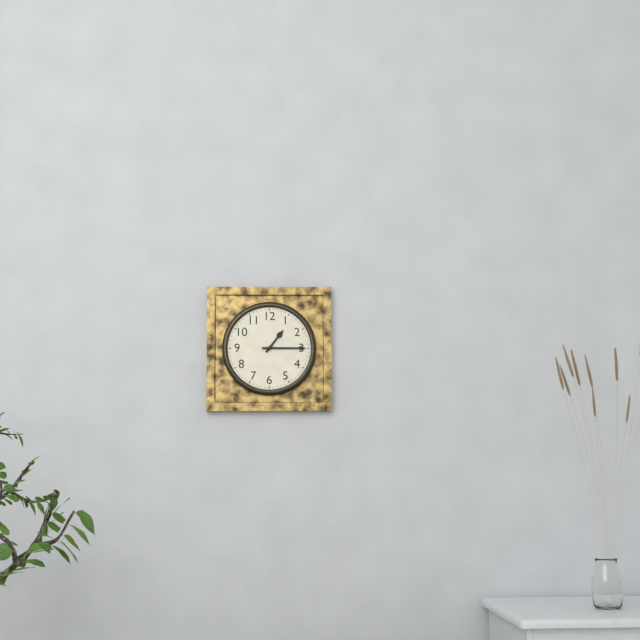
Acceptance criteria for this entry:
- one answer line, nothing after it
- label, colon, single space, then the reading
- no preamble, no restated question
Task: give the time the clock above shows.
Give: 1:15
